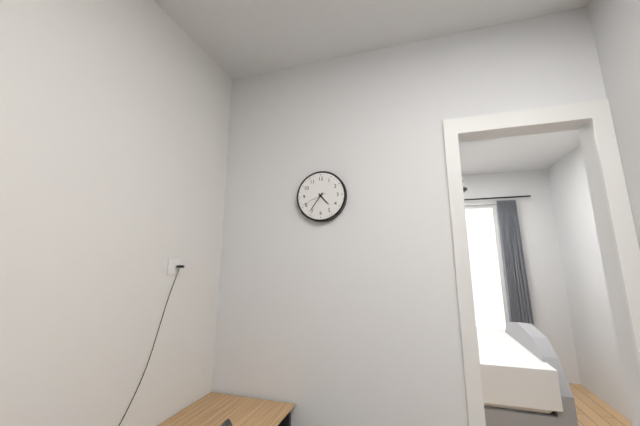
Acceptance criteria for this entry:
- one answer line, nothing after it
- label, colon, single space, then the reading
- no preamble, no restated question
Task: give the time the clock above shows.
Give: 4:36
